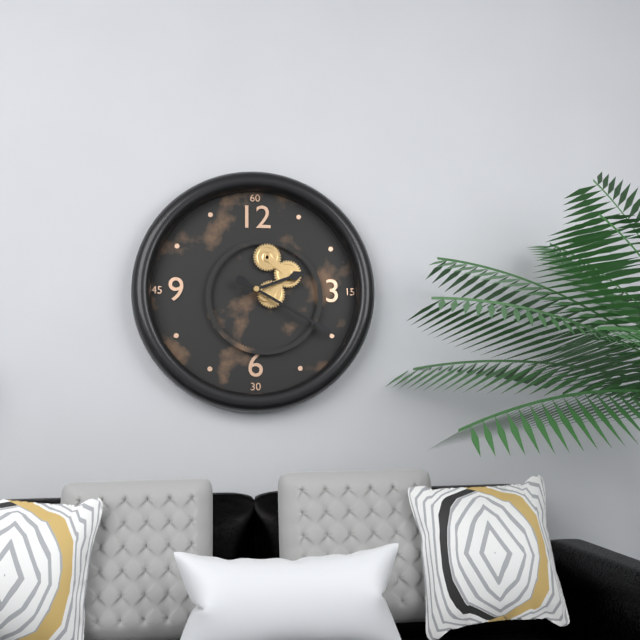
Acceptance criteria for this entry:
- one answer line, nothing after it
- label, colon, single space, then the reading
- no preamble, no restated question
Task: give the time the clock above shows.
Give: 2:20
